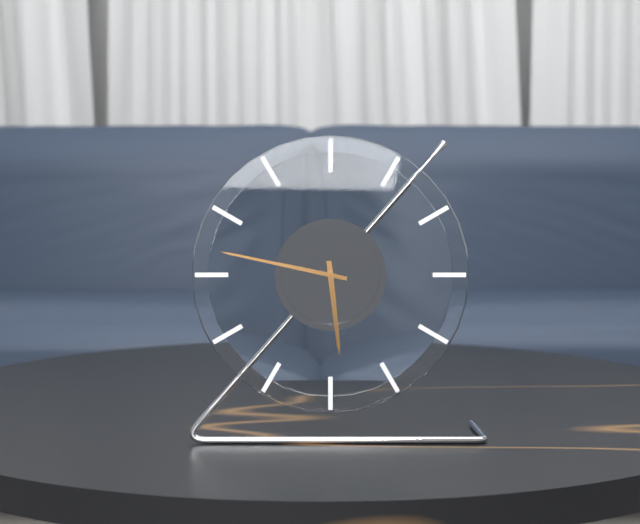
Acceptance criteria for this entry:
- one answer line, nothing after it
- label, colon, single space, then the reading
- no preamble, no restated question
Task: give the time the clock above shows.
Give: 5:47
